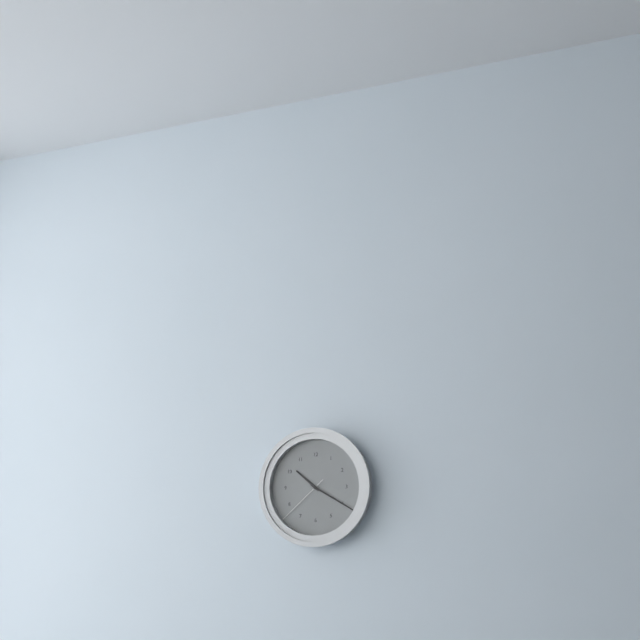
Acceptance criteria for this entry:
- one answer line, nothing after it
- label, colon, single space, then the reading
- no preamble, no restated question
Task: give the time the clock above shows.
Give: 10:20:38
